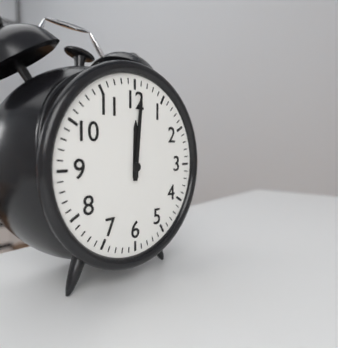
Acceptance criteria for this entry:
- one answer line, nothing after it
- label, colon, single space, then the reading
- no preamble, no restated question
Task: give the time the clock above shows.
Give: 12:01
